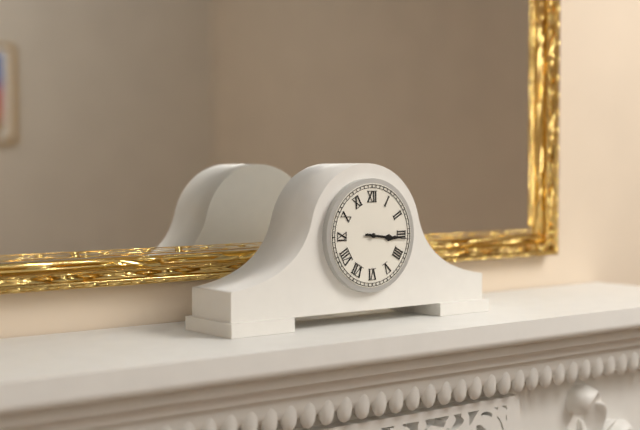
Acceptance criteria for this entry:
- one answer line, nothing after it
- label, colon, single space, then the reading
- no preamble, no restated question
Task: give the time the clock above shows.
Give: 3:16
